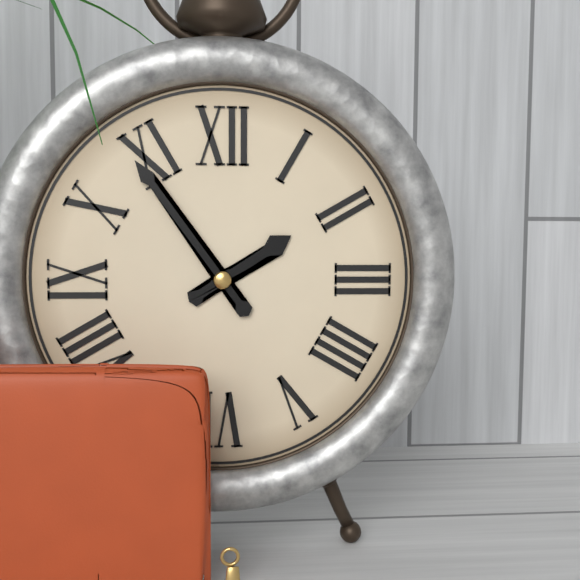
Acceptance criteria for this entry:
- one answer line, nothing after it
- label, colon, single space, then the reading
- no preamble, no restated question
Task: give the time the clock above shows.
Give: 1:54
